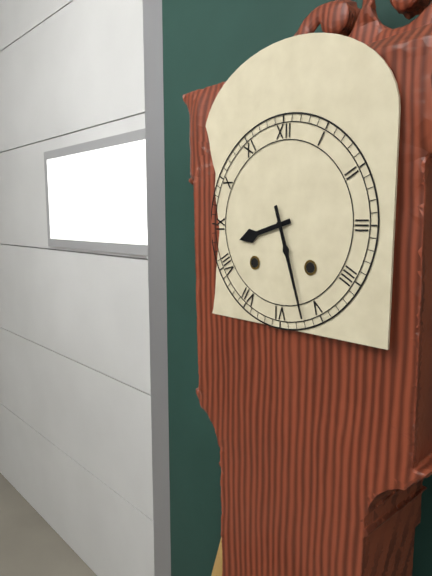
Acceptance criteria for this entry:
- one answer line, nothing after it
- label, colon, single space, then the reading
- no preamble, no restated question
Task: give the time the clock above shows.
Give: 8:27
